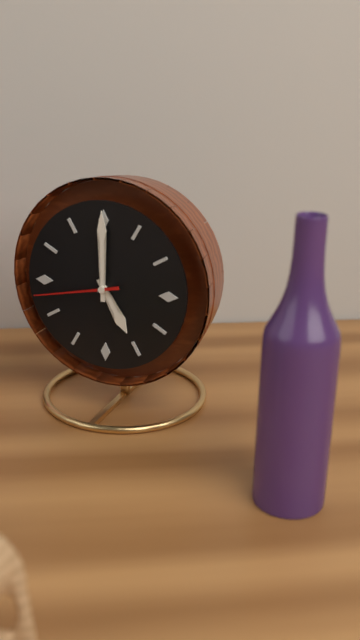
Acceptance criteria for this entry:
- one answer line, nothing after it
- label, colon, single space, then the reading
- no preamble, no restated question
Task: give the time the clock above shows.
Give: 5:00:43
